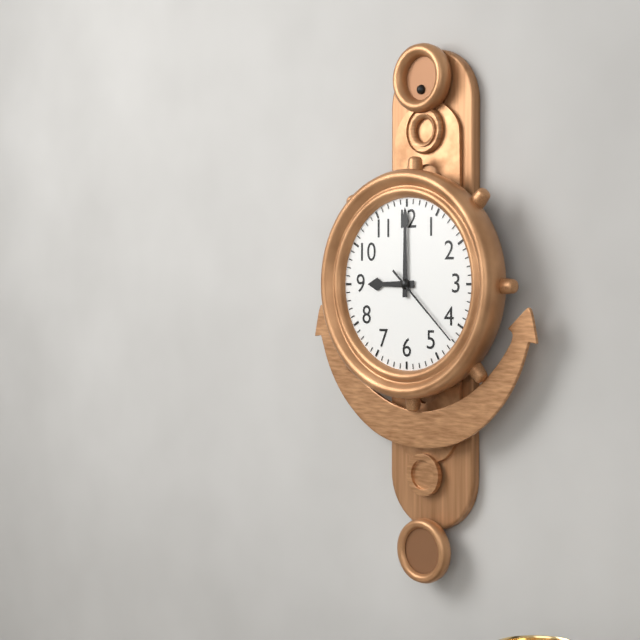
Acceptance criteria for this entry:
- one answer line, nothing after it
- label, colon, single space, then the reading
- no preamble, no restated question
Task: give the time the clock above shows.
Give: 9:00:22
